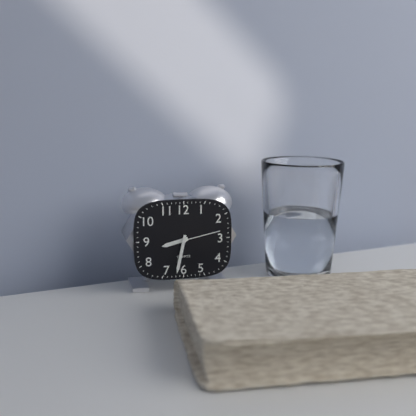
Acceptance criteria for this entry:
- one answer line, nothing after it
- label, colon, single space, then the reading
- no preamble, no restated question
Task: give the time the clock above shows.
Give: 8:32
